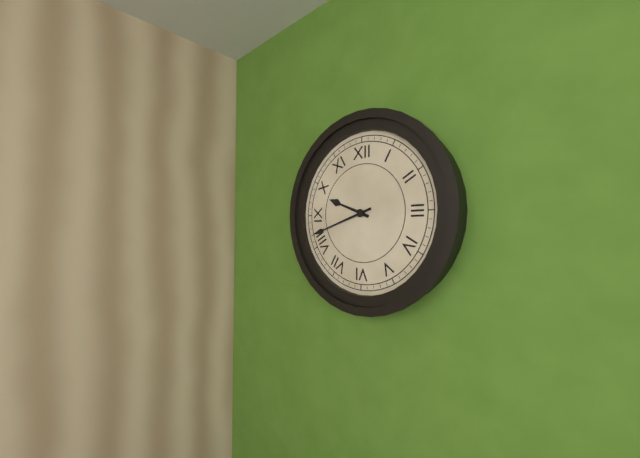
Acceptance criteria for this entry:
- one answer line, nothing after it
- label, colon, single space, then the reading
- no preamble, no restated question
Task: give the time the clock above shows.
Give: 9:42
